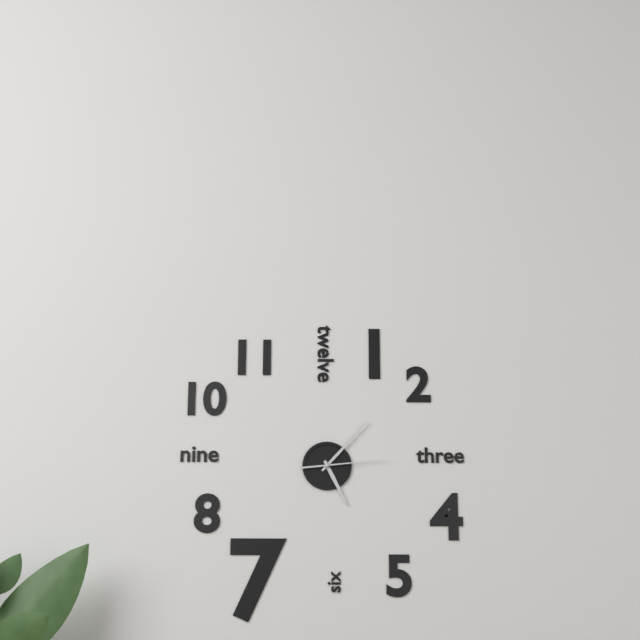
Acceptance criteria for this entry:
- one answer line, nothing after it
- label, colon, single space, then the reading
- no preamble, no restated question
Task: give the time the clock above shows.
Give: 5:07:14
